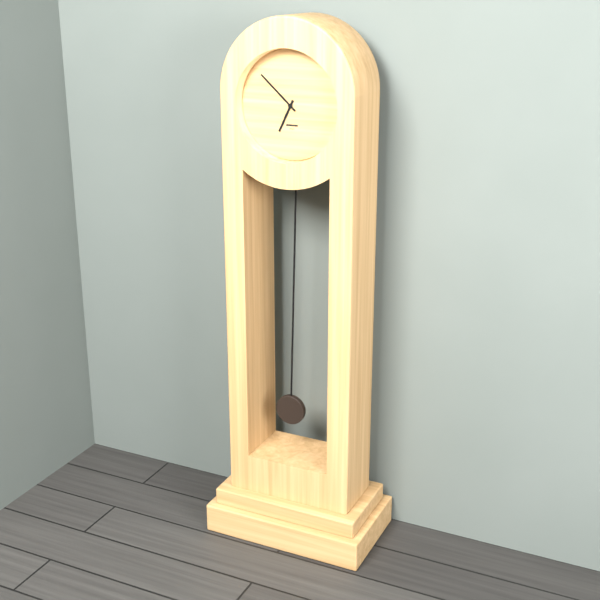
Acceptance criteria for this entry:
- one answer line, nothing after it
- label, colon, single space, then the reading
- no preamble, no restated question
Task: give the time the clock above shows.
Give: 6:52
